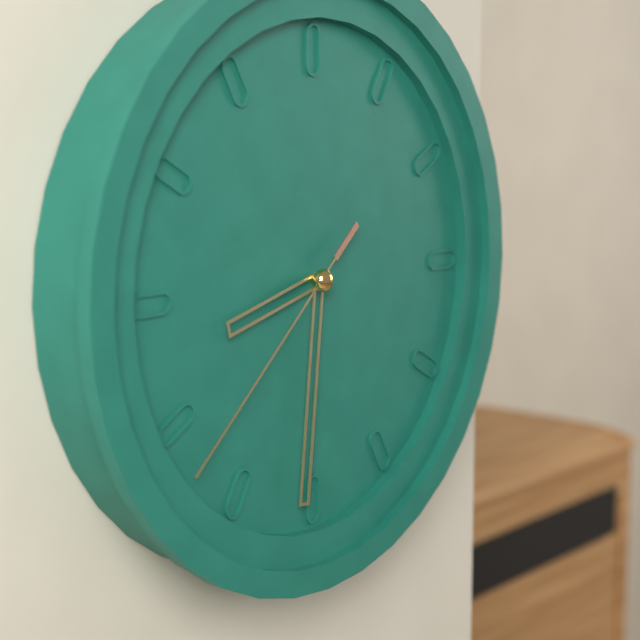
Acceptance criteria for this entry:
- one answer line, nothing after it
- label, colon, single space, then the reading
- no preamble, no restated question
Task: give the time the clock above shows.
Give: 8:31:38
